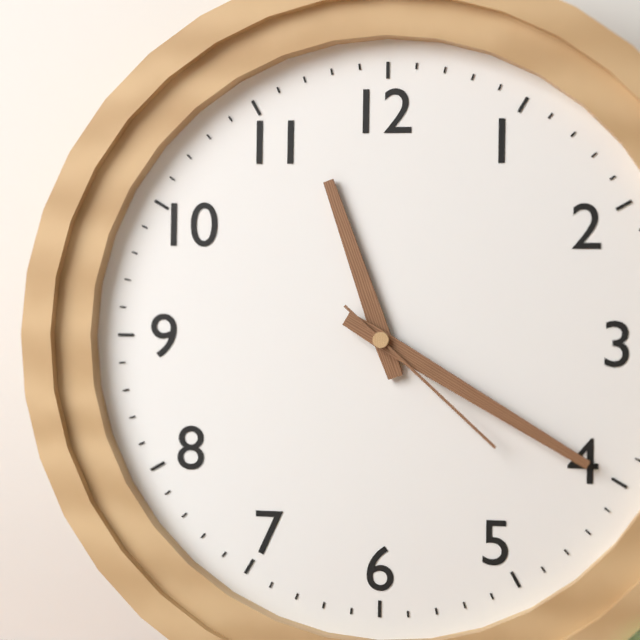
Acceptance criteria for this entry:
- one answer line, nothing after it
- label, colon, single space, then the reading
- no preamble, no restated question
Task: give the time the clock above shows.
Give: 11:20:22
